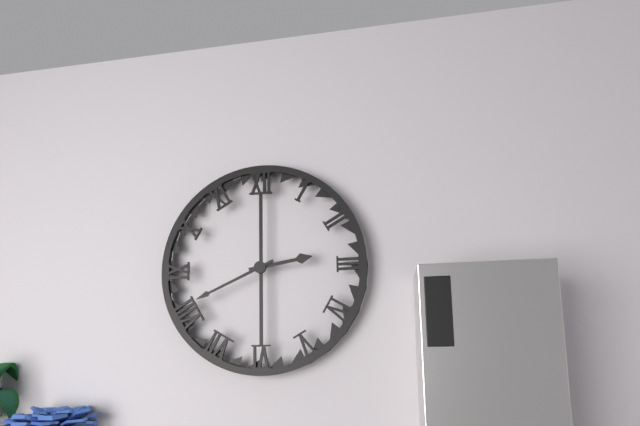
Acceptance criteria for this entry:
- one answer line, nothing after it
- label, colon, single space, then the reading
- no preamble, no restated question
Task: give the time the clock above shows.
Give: 2:41
